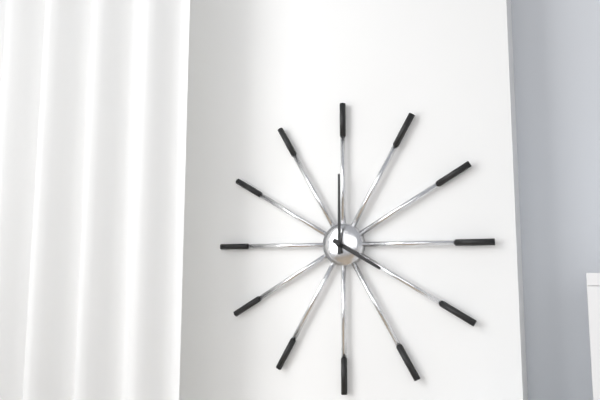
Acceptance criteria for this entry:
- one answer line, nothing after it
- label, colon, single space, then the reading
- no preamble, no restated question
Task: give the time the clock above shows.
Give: 4:00
